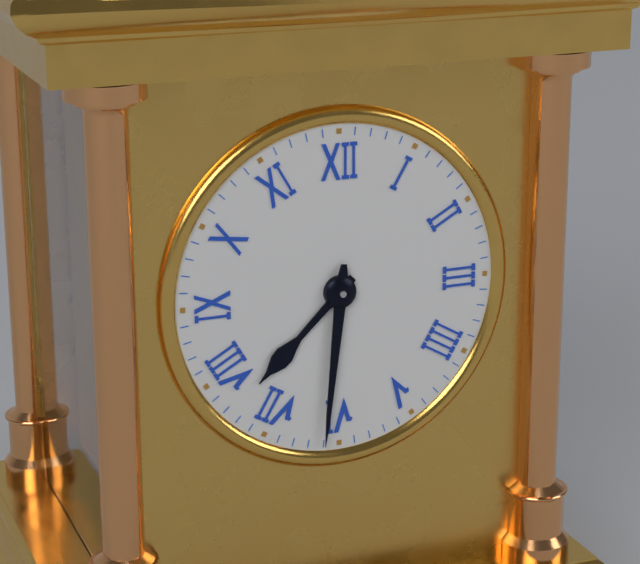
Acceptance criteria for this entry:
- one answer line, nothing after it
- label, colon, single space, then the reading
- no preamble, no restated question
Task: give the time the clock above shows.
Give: 7:31
